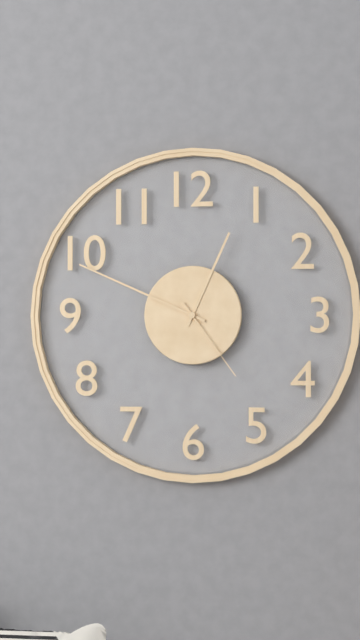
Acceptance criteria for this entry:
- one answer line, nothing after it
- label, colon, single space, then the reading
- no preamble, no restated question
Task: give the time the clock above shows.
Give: 12:49:24
